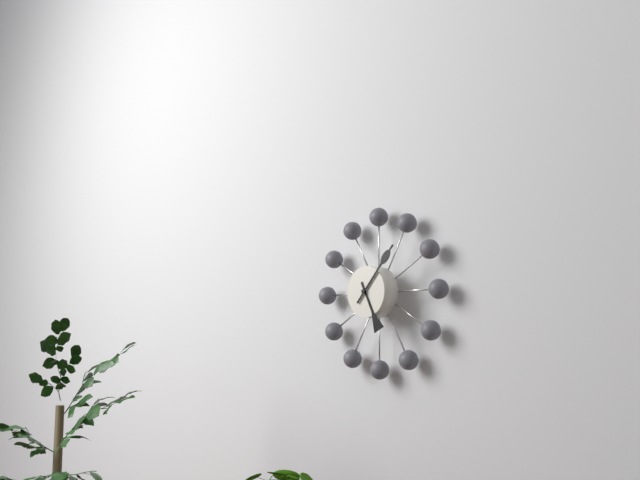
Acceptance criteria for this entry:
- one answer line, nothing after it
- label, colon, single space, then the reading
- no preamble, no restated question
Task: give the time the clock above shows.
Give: 5:07
